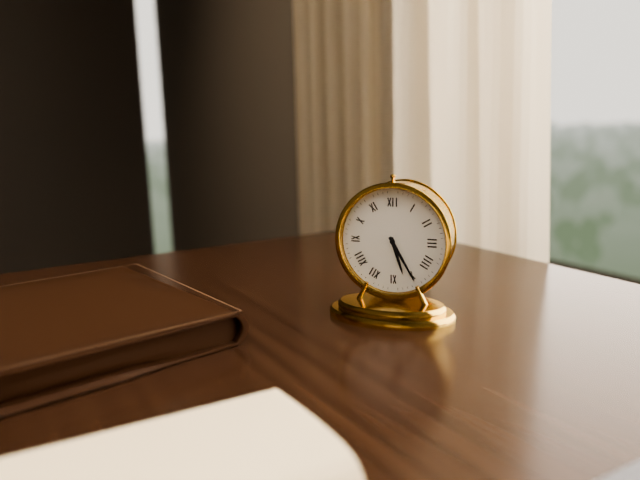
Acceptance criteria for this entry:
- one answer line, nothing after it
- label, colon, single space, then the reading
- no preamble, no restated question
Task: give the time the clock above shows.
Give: 5:25
